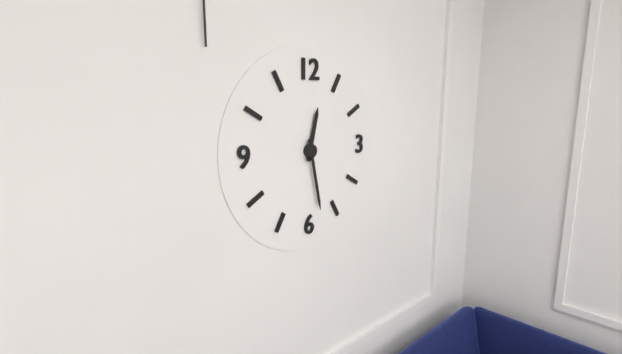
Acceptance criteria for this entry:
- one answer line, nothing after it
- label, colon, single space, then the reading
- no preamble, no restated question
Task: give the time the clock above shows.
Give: 12:28
